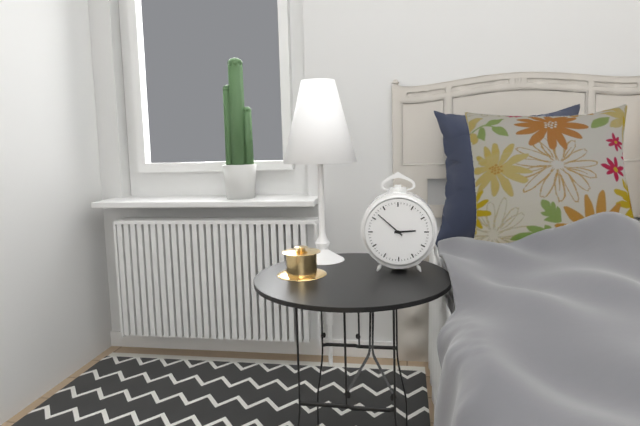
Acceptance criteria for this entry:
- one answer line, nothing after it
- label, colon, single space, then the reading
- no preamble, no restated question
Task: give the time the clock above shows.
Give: 2:52
